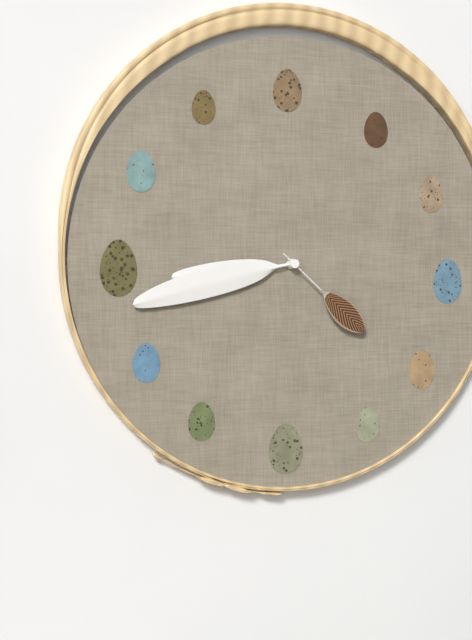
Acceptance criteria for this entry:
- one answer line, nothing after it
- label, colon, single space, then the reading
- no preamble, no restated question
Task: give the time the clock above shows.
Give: 8:43:22
